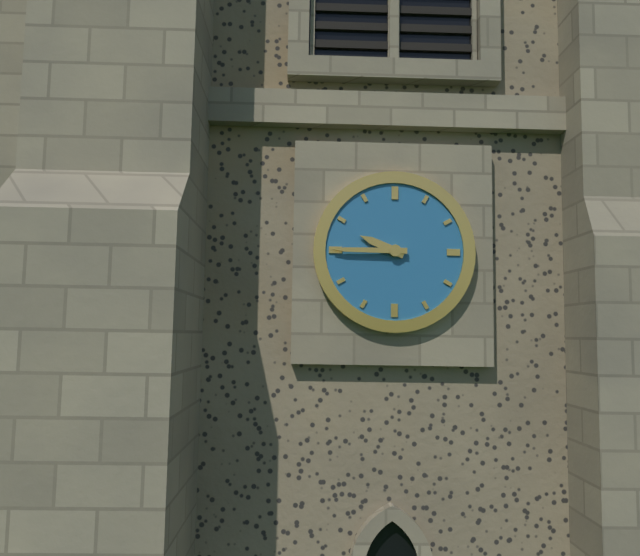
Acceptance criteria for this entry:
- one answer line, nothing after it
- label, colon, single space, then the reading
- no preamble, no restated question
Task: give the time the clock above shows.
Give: 9:45
